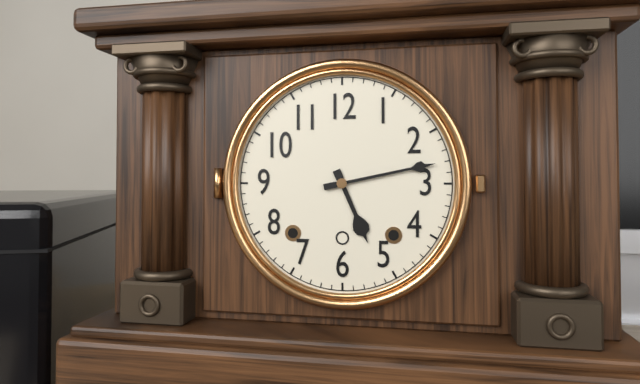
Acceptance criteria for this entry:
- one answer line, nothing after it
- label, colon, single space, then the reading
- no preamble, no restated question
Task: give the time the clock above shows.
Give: 5:13
